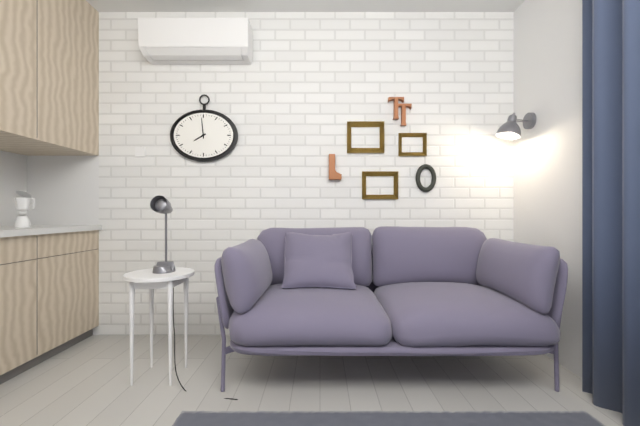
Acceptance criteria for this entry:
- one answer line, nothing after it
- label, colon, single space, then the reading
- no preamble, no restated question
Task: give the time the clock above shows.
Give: 7:59
